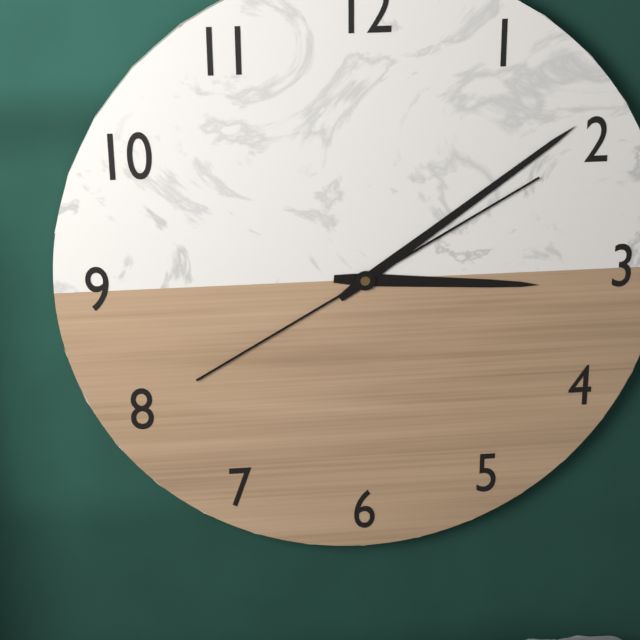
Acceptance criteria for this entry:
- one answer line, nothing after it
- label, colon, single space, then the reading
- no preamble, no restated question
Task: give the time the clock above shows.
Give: 3:09
